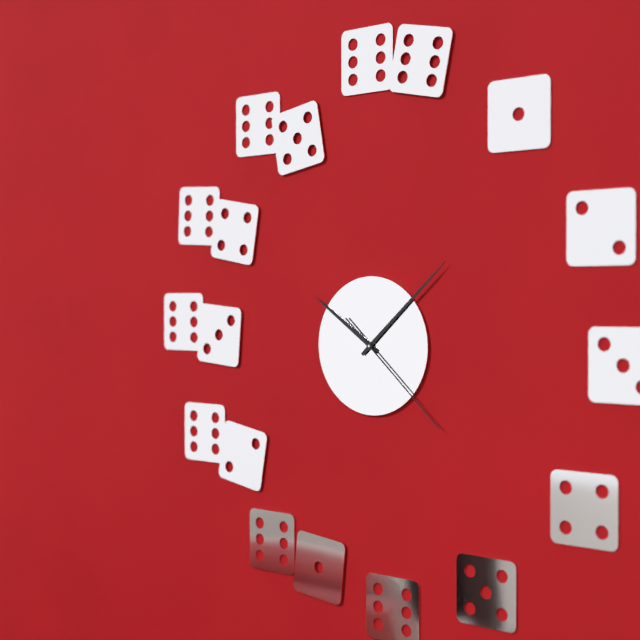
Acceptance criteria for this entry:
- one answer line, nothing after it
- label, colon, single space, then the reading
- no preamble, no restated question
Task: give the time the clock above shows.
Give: 10:08:22
